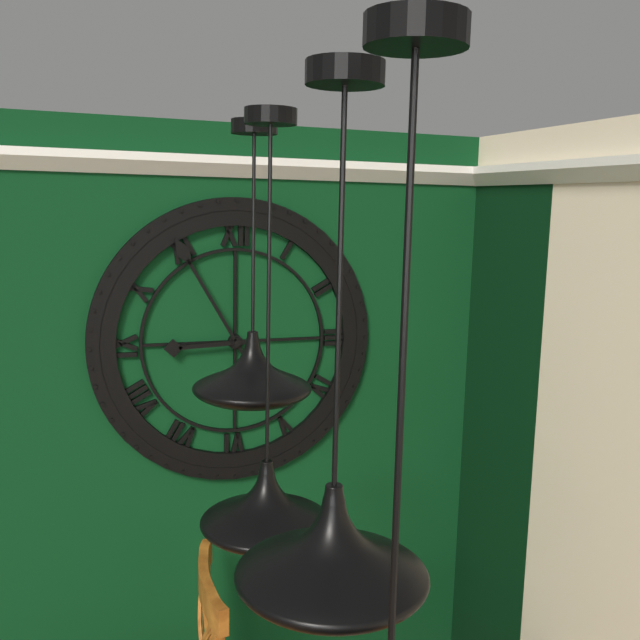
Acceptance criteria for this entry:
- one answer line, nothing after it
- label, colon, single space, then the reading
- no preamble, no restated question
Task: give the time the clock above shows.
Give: 8:55
